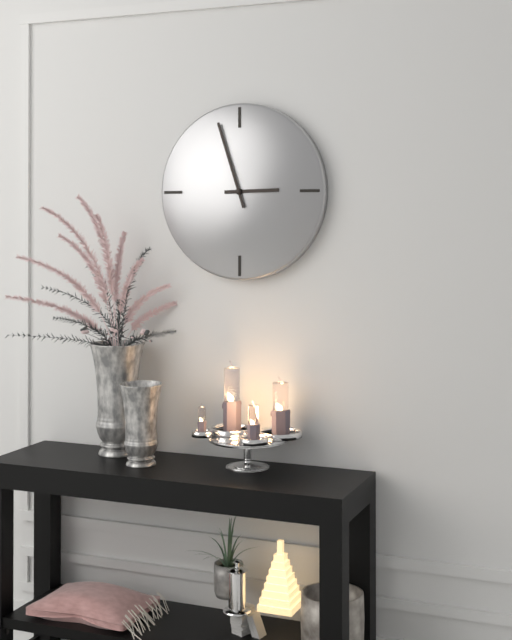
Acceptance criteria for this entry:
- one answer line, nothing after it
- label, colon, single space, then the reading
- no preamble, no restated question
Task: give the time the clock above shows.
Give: 2:57
